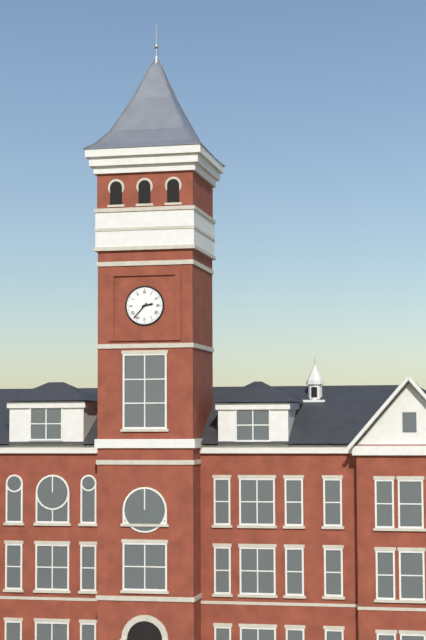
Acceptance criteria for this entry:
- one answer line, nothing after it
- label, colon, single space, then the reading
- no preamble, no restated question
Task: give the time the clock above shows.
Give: 2:37
